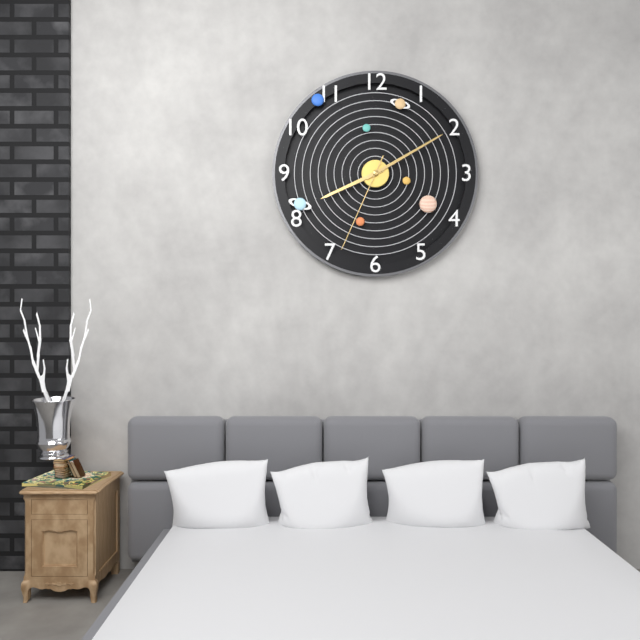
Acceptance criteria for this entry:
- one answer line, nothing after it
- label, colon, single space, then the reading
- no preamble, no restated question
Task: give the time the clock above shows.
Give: 8:10:34
